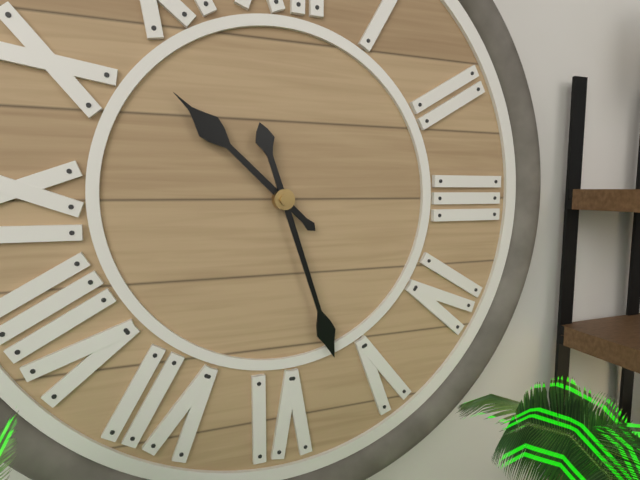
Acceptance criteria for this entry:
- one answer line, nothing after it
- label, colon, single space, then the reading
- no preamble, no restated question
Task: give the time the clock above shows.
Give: 10:27
